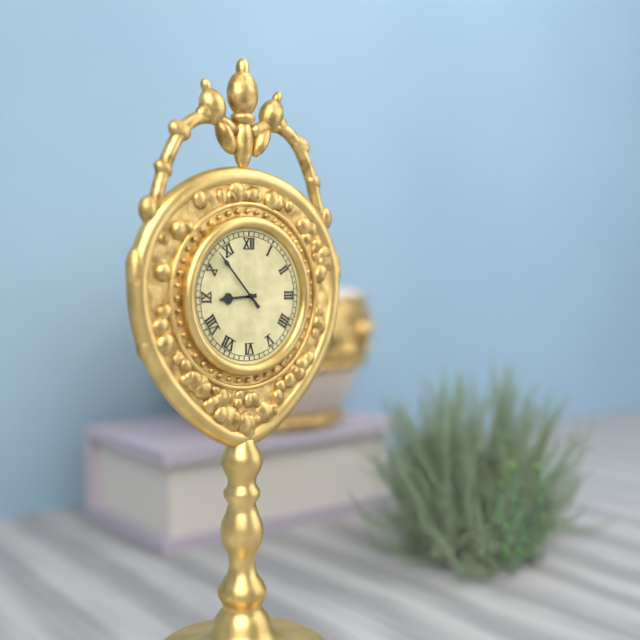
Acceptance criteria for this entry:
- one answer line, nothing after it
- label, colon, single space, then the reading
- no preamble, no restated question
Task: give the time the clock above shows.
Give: 8:53
